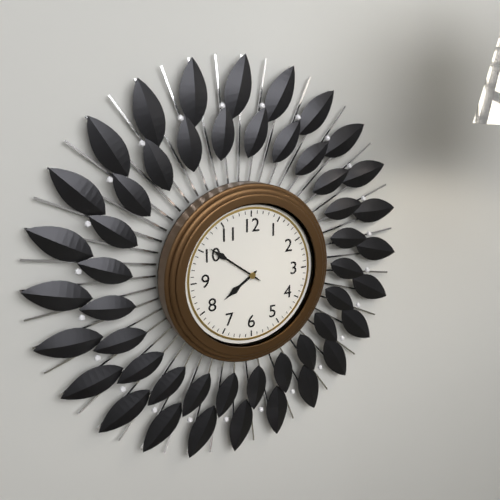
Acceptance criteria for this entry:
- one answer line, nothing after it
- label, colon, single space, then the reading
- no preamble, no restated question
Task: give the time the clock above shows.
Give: 7:51
